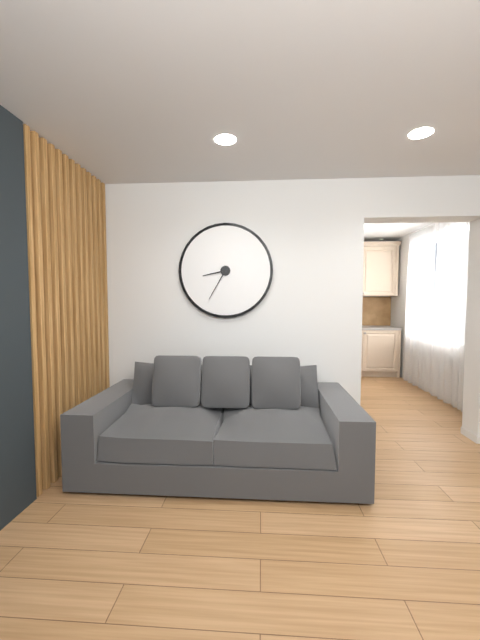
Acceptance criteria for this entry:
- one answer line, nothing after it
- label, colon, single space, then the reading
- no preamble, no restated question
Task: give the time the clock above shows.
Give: 8:35
